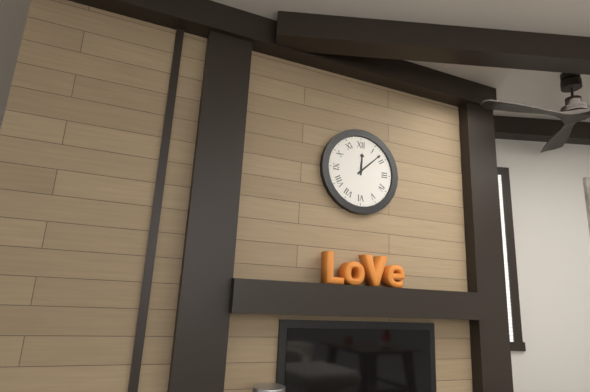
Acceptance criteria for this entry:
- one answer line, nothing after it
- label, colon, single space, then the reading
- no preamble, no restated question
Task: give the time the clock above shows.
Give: 12:08
